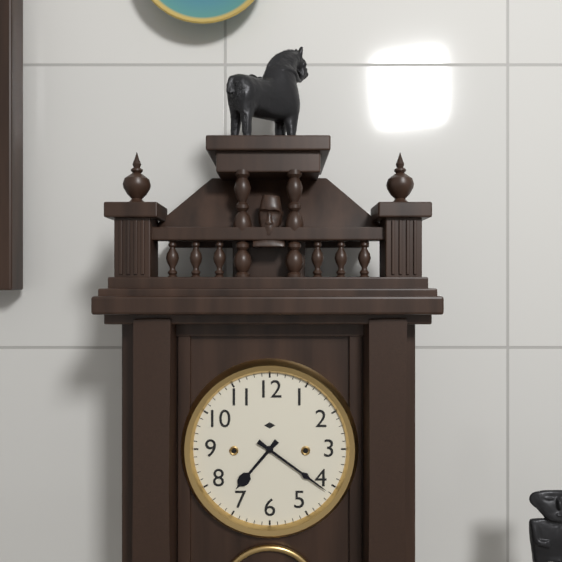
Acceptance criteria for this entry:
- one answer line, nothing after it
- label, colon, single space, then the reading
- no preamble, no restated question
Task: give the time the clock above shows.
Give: 7:21
